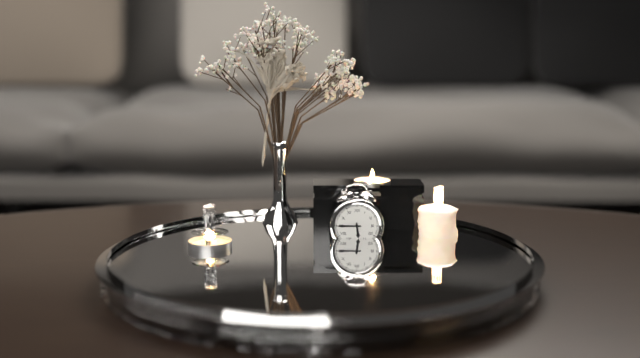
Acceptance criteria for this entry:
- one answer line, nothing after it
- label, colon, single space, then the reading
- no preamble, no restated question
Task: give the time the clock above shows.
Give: 5:45
